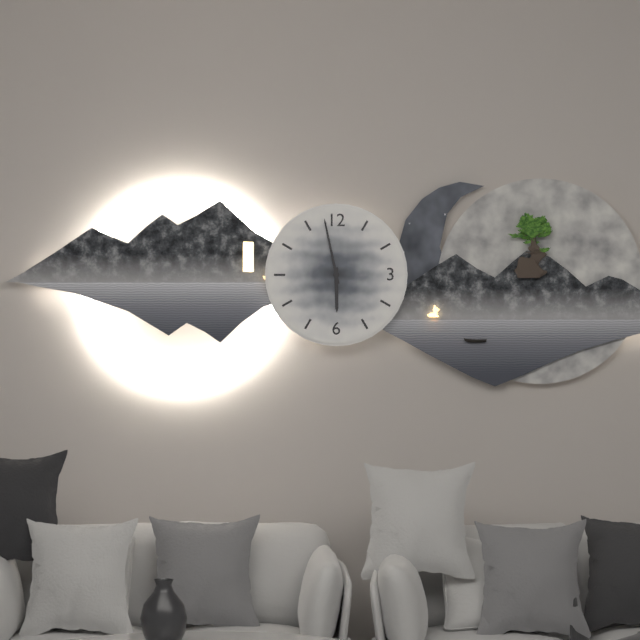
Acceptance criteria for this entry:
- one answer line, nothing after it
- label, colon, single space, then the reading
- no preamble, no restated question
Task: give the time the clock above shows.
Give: 5:58
